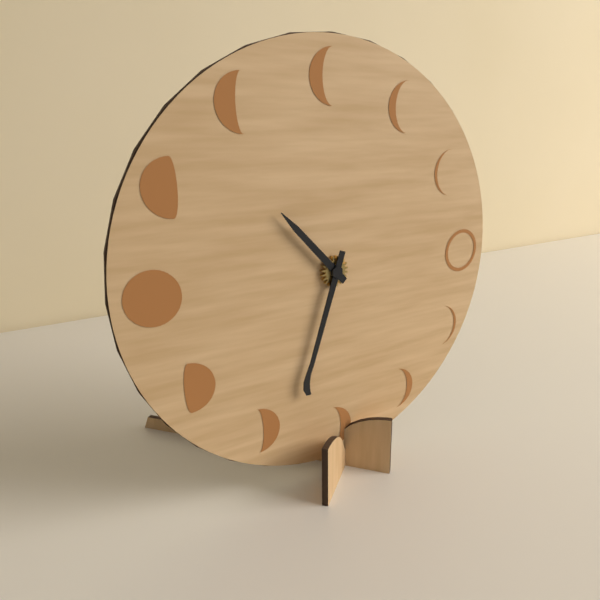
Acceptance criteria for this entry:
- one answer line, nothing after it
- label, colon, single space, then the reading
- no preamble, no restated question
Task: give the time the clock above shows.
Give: 10:33
